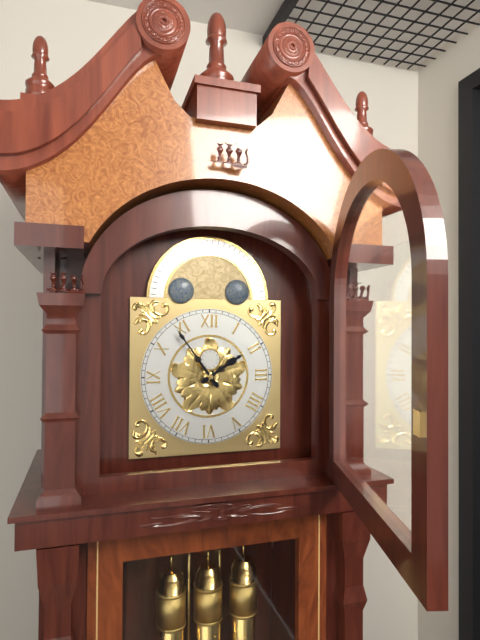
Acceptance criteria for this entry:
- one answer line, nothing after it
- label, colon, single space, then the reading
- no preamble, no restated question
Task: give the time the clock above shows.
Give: 1:54
